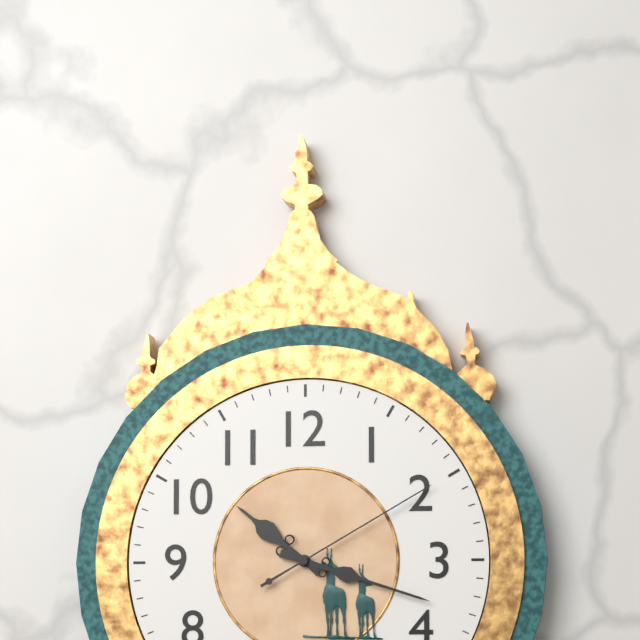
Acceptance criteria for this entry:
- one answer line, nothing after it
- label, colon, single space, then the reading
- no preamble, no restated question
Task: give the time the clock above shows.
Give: 10:18:10
